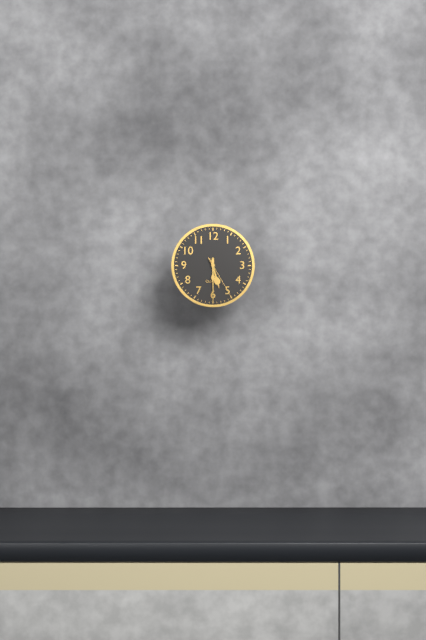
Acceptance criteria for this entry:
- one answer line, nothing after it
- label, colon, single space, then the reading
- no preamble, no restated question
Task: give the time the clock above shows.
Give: 5:30
